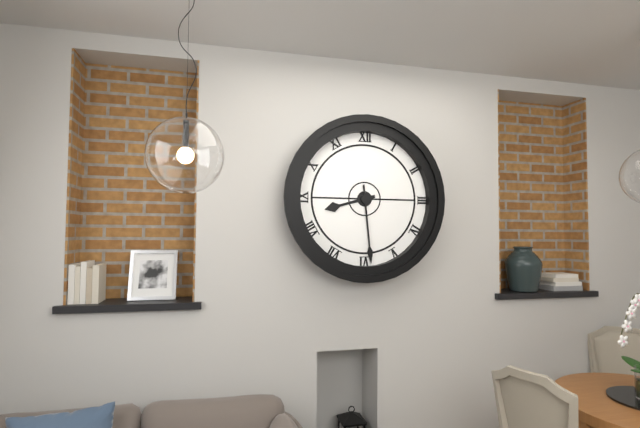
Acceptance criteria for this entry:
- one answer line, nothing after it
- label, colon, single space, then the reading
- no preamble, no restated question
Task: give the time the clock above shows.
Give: 8:29
